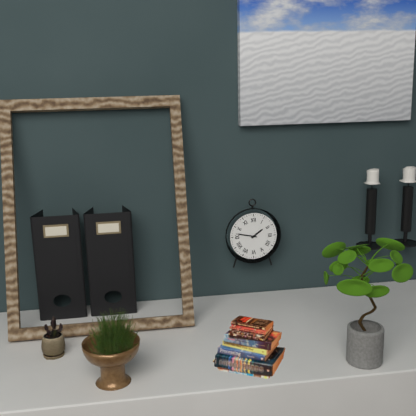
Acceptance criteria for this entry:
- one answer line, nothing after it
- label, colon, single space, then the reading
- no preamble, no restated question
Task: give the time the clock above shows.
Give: 1:47
